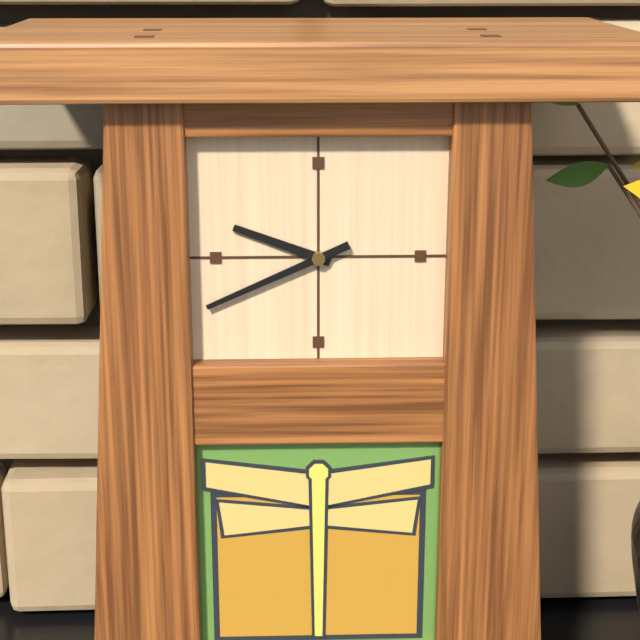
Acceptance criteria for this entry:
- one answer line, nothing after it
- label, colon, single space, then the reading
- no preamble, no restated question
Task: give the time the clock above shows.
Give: 9:41
